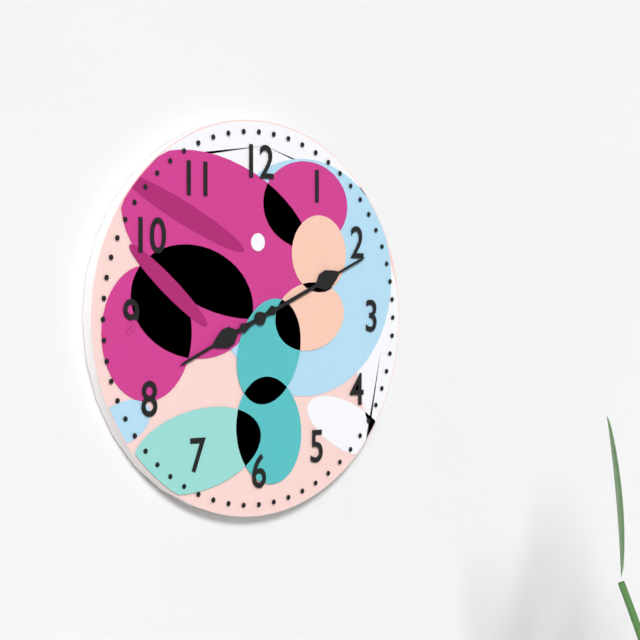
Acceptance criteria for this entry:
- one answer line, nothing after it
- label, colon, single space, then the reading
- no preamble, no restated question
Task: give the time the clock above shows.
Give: 8:11
